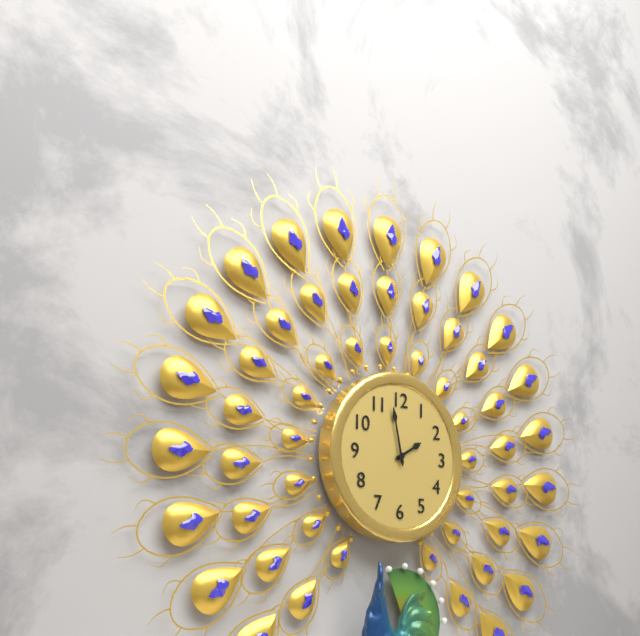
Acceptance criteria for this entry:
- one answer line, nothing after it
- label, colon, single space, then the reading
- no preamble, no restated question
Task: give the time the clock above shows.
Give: 1:58
